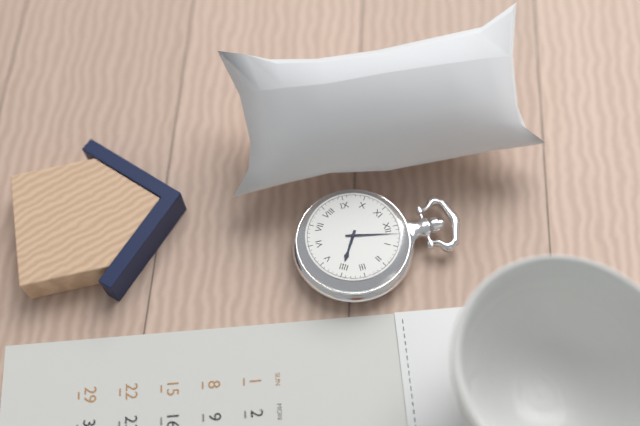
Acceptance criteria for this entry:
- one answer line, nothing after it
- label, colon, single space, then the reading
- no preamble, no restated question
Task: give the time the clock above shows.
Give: 4:02
